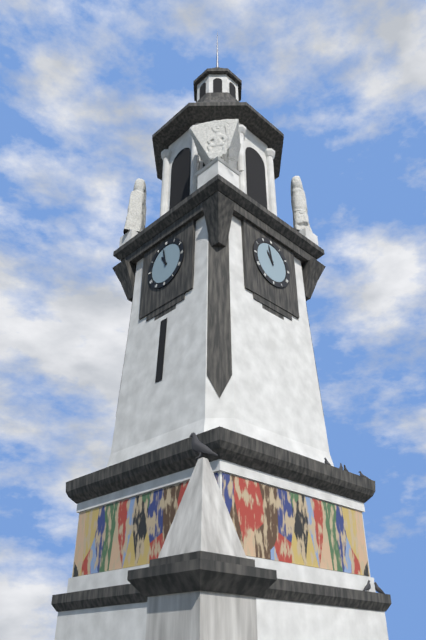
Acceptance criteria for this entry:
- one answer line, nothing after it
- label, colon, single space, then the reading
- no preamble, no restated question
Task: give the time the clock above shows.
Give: 10:58
